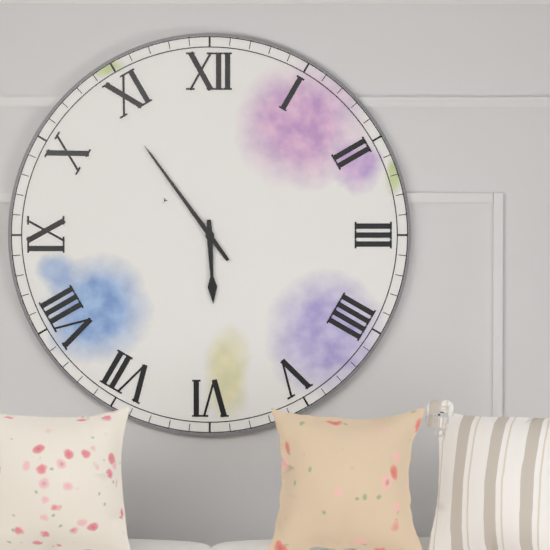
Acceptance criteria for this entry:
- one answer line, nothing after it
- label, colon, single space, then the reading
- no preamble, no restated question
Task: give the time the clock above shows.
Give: 5:54
